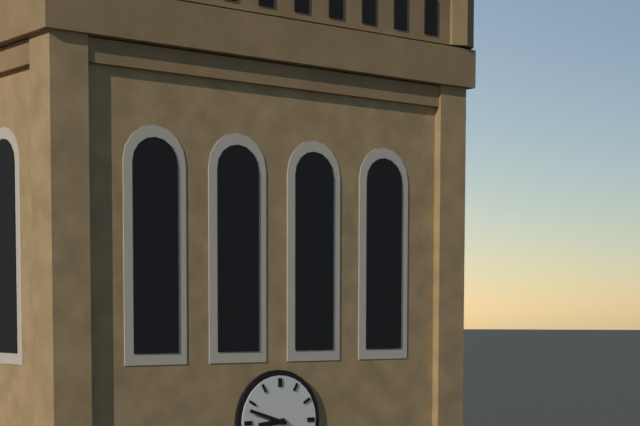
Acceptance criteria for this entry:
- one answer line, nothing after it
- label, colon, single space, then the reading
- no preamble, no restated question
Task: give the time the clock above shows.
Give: 8:48
